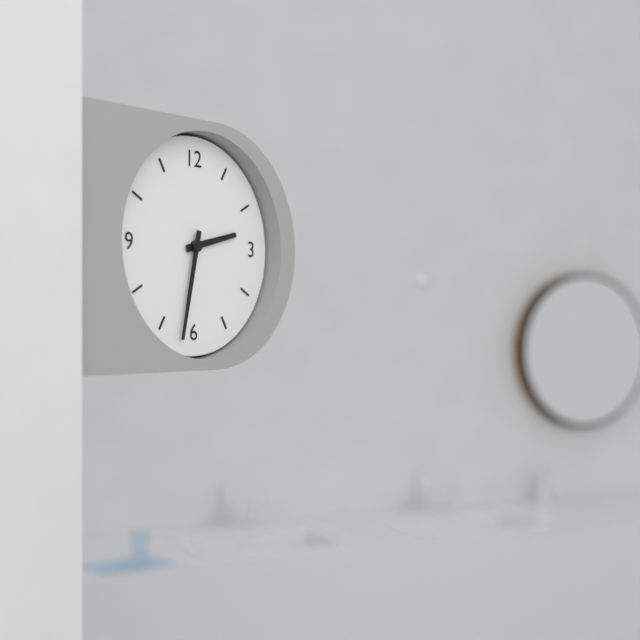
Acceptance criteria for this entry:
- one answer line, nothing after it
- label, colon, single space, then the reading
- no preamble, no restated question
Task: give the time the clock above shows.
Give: 2:32
